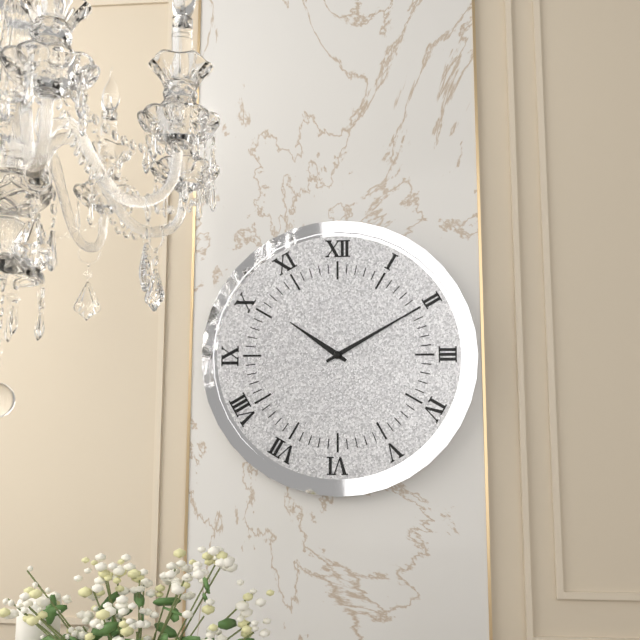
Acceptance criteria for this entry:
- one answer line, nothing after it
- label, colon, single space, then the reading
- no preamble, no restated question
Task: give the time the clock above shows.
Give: 10:10
